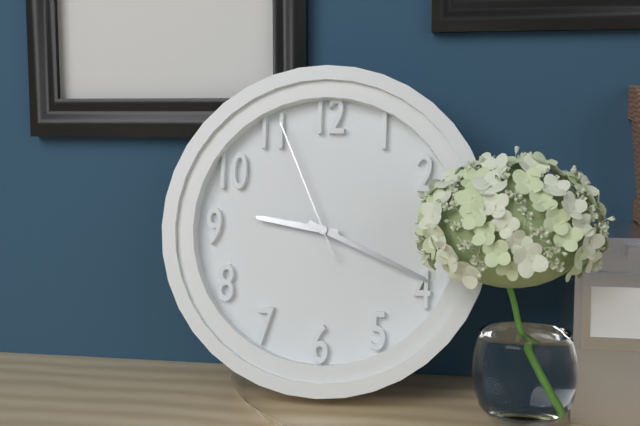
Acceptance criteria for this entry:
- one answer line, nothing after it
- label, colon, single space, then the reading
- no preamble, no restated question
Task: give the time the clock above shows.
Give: 9:19:56
